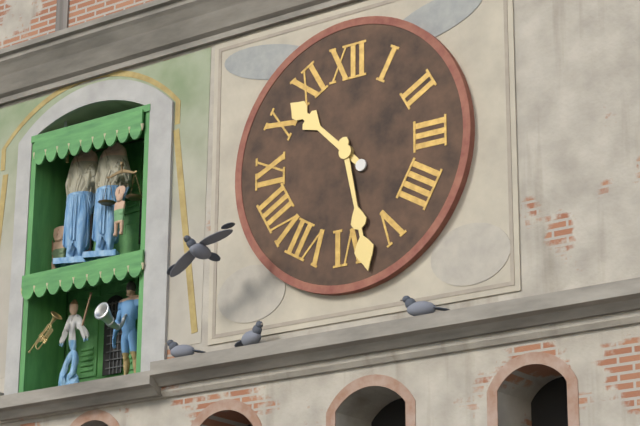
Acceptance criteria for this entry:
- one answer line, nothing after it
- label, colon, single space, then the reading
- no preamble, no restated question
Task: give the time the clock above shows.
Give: 10:28
